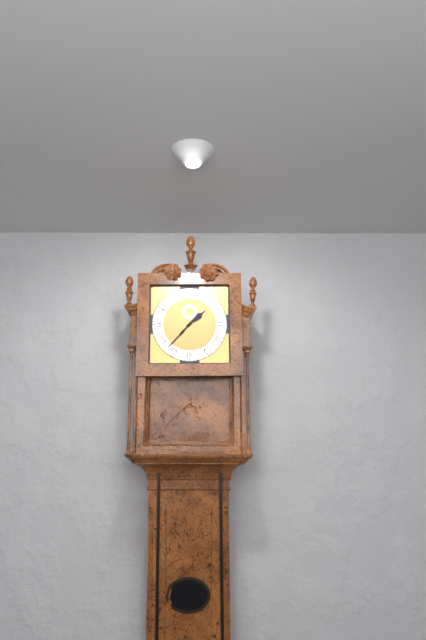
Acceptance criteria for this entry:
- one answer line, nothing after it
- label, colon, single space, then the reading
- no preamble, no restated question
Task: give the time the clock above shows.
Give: 1:37
